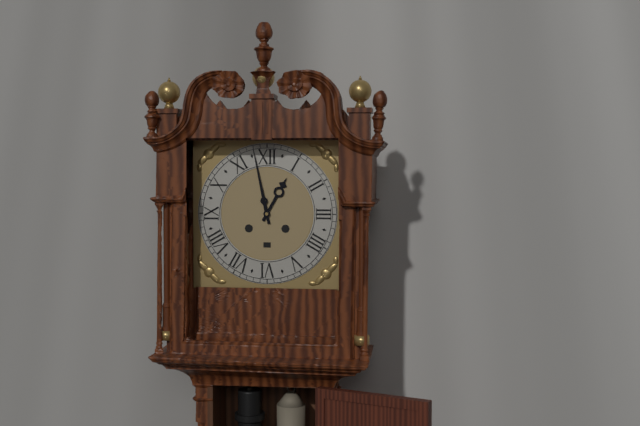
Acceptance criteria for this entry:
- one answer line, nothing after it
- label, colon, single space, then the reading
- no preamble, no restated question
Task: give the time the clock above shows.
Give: 12:58
